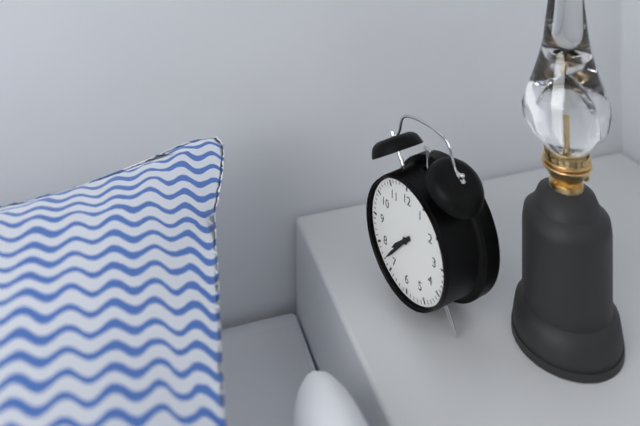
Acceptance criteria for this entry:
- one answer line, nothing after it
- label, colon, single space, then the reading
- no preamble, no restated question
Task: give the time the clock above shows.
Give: 7:37
